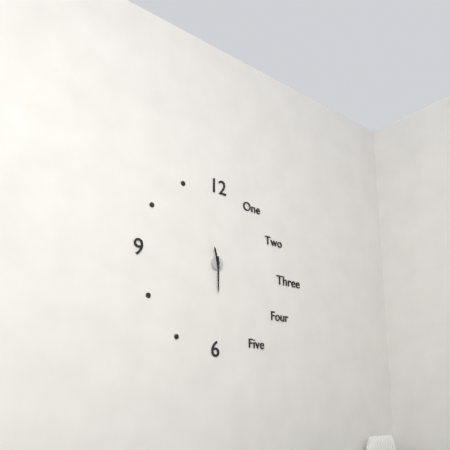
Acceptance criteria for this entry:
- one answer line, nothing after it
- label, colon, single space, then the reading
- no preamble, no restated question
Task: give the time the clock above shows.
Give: 11:30
